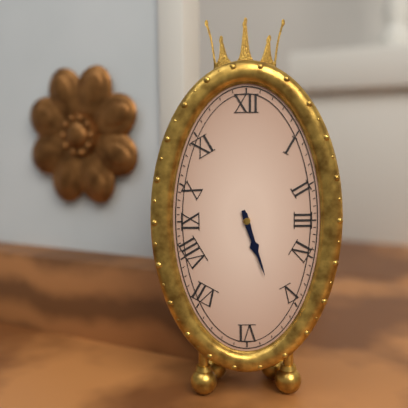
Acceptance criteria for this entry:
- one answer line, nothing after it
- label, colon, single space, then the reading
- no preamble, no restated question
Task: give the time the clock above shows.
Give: 5:27
